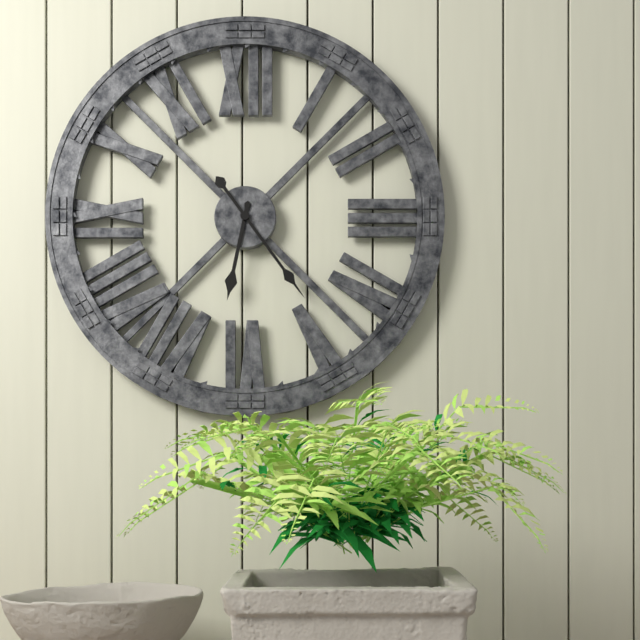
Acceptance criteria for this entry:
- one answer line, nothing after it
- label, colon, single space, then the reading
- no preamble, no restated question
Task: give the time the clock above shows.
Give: 6:24
